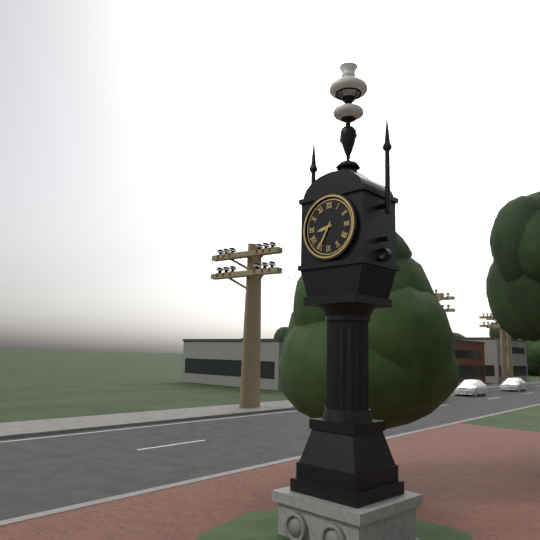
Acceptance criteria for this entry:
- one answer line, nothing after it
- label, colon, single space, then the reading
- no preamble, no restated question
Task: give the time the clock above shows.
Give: 8:35
